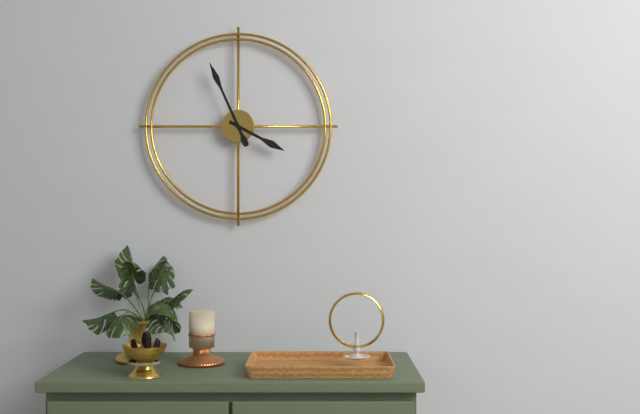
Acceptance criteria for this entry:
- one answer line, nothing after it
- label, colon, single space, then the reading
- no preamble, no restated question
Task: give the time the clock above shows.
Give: 3:56
